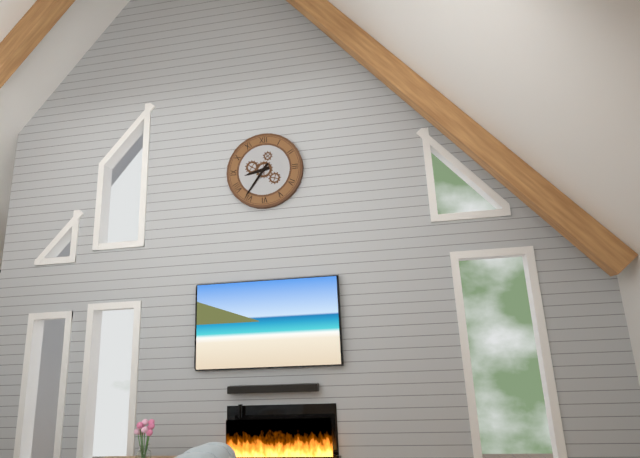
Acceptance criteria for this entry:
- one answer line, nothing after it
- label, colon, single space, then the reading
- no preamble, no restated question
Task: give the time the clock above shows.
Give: 8:36
